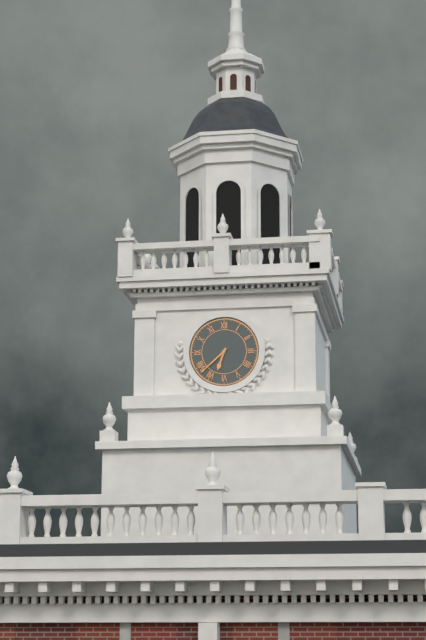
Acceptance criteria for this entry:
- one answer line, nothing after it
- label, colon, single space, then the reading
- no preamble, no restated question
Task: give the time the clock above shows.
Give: 6:38
